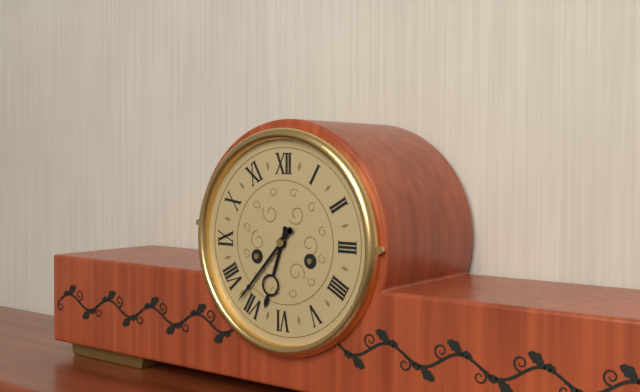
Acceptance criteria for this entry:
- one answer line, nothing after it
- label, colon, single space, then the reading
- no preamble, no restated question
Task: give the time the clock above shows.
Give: 6:37
